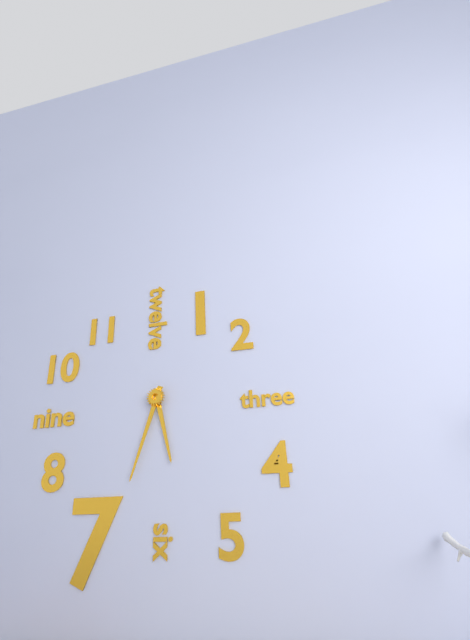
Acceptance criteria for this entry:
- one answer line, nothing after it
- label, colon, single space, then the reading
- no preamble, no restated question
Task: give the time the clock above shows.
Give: 5:33
